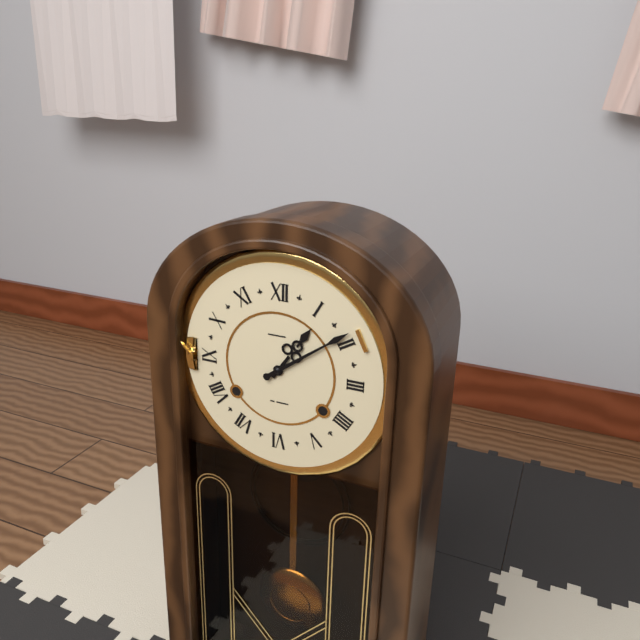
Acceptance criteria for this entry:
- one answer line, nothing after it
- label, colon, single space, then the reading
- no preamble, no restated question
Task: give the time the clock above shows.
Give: 1:09
